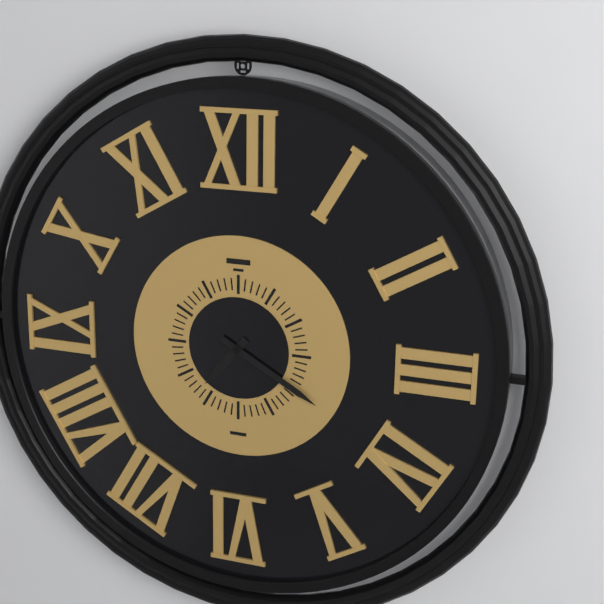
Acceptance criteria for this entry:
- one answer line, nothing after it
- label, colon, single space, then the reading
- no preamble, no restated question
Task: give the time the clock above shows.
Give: 7:20
